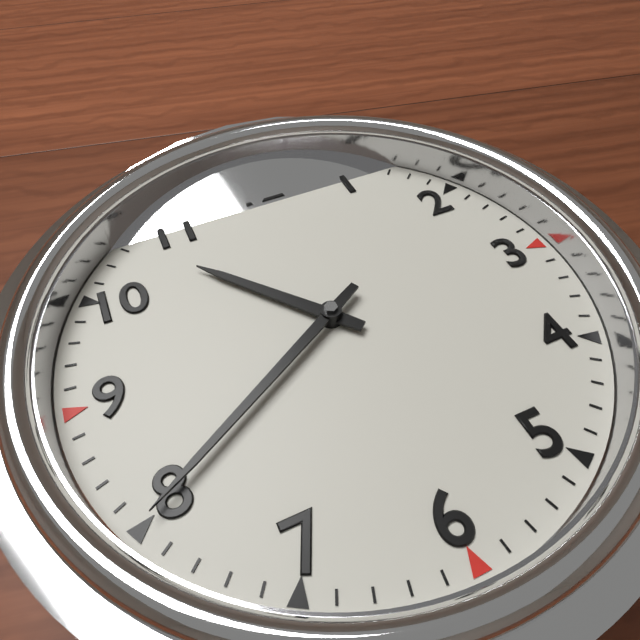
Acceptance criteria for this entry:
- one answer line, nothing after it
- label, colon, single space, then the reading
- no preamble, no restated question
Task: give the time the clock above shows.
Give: 10:40
